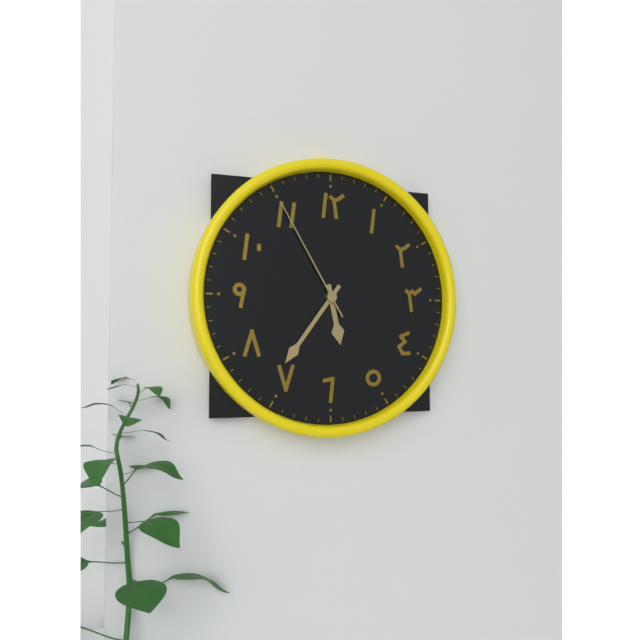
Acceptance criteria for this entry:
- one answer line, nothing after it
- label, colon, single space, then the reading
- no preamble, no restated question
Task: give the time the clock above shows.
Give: 5:36:55
